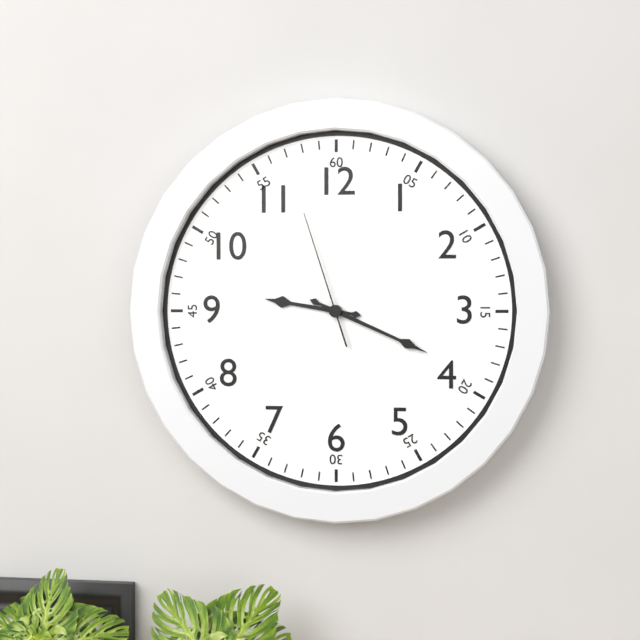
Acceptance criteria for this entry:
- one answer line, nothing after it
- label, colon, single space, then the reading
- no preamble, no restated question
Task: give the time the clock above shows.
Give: 9:19:57
